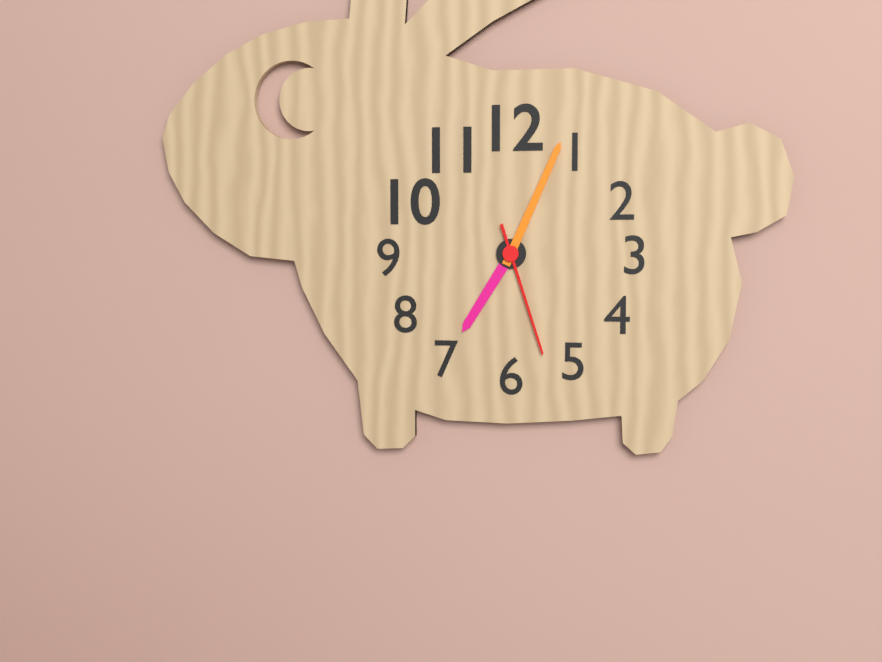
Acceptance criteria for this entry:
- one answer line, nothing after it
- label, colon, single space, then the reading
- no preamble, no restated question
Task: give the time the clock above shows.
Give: 7:04:27
